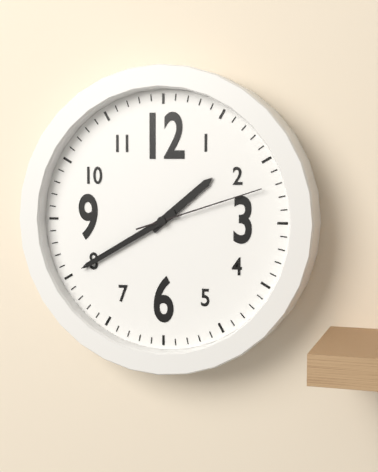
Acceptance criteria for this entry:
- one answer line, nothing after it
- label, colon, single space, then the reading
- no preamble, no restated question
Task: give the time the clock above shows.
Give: 1:40:12
